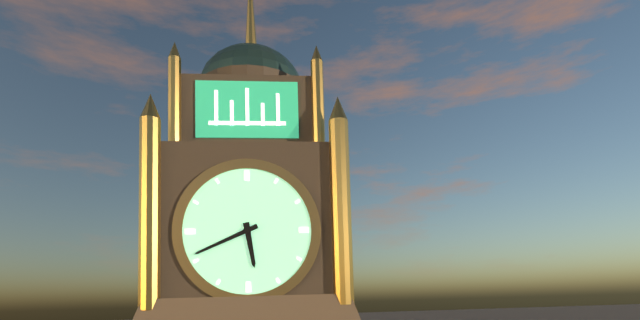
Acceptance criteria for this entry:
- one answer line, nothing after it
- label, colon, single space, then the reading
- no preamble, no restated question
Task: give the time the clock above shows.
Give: 5:41
